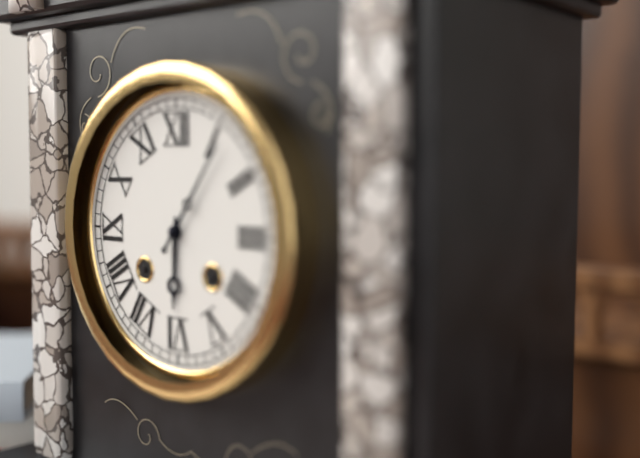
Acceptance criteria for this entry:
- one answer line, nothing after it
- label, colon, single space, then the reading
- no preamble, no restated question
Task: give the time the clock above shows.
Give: 6:06
